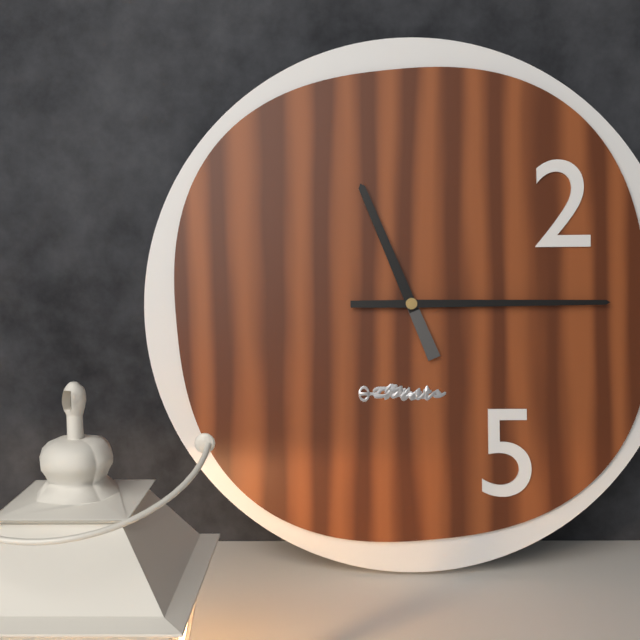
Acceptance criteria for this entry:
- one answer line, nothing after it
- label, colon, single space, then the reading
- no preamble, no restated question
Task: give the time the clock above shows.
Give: 11:15
